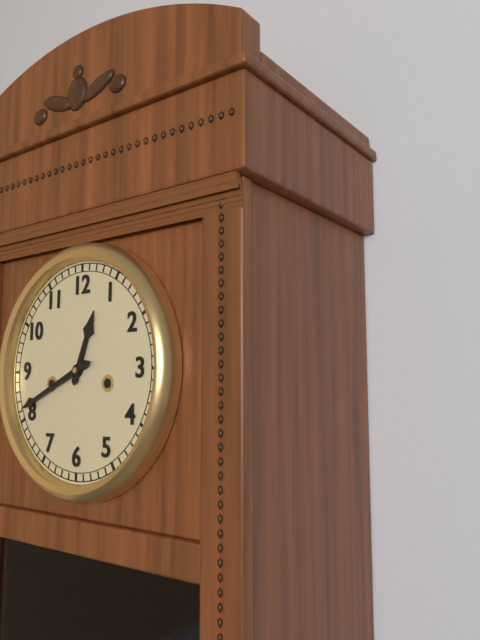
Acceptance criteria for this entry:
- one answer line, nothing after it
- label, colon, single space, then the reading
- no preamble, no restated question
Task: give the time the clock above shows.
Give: 12:41
